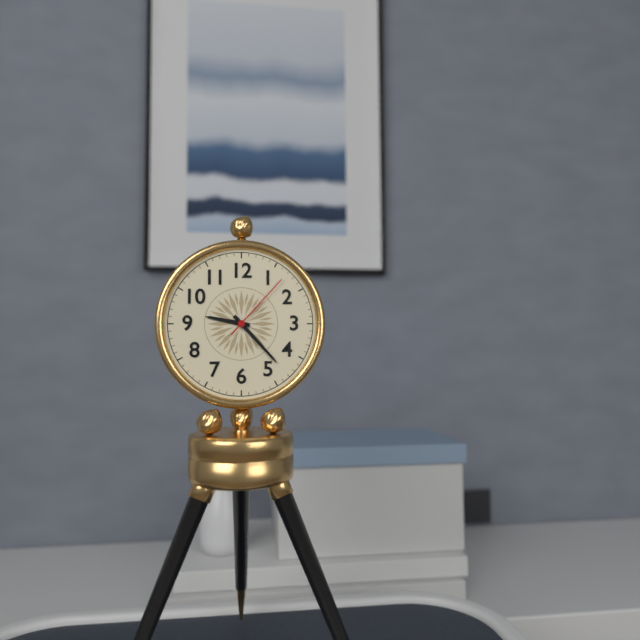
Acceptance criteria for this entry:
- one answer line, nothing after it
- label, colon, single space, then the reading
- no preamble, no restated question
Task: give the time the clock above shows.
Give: 9:23:07
